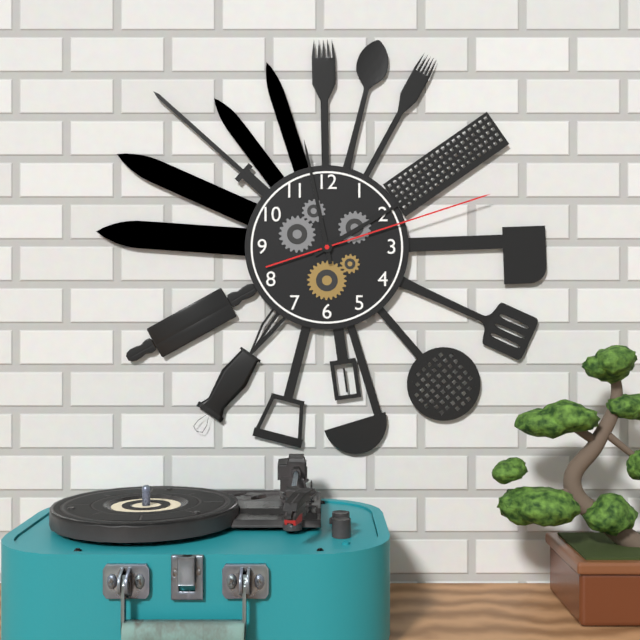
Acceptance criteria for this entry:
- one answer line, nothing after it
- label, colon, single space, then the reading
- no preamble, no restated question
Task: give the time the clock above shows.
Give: 1:58:12
